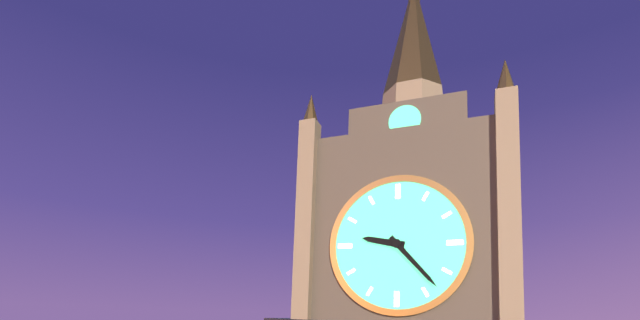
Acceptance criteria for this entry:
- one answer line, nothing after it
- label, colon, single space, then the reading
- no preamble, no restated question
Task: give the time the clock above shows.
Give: 9:23
